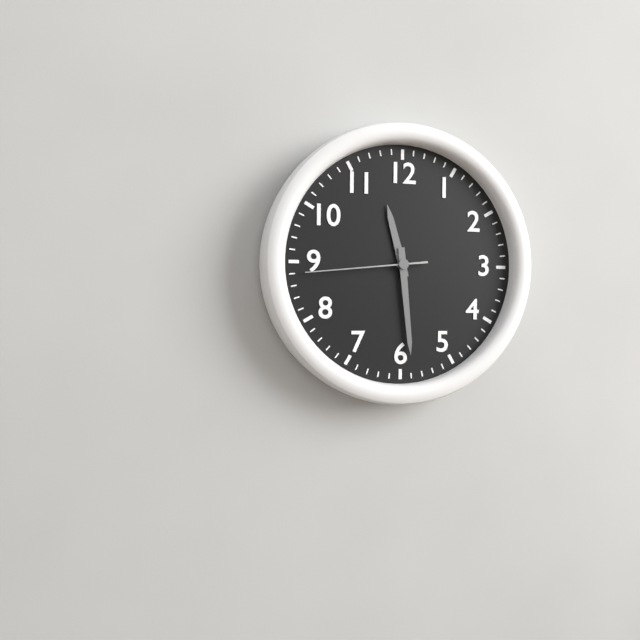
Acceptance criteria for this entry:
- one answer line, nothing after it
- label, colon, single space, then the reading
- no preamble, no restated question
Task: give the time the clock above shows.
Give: 11:29:44
